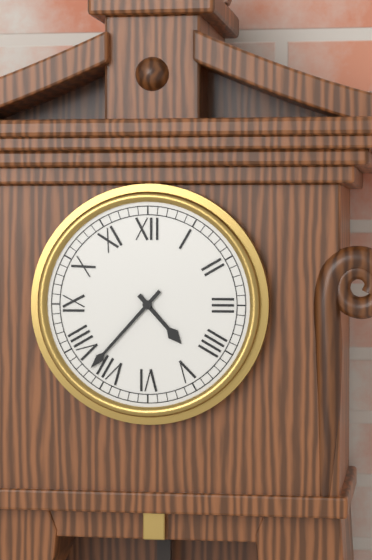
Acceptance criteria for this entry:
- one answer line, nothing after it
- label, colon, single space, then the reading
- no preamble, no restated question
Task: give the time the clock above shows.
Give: 4:37
